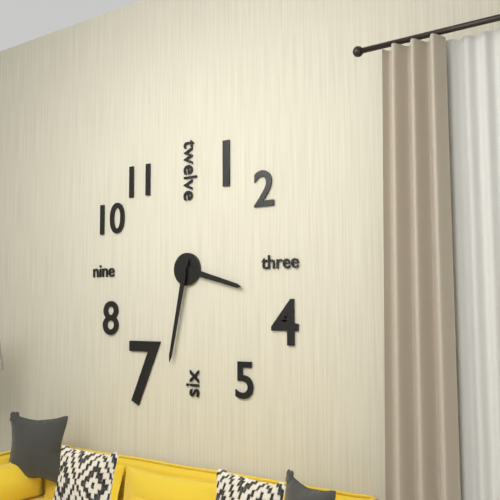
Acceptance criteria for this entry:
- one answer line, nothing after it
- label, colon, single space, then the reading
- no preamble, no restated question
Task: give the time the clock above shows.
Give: 3:32
